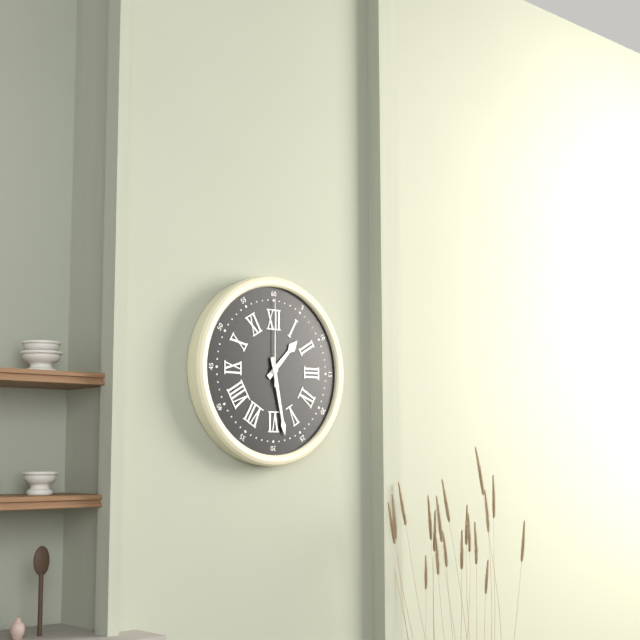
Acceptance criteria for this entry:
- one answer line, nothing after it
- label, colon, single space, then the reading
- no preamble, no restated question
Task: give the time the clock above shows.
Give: 1:28:00
